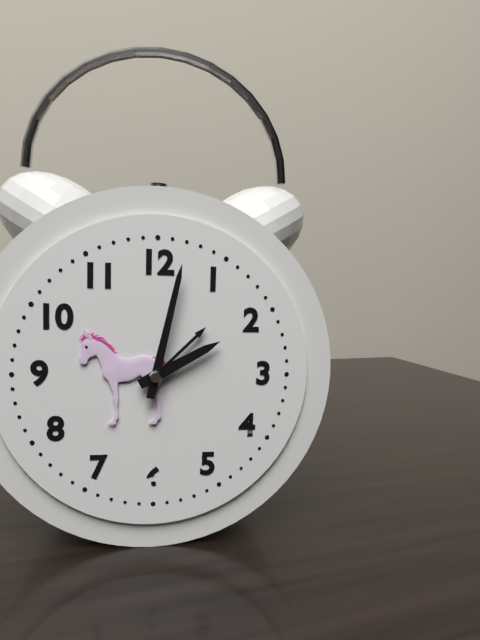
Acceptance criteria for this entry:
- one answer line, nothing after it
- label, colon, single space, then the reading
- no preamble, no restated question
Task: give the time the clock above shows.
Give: 2:02
